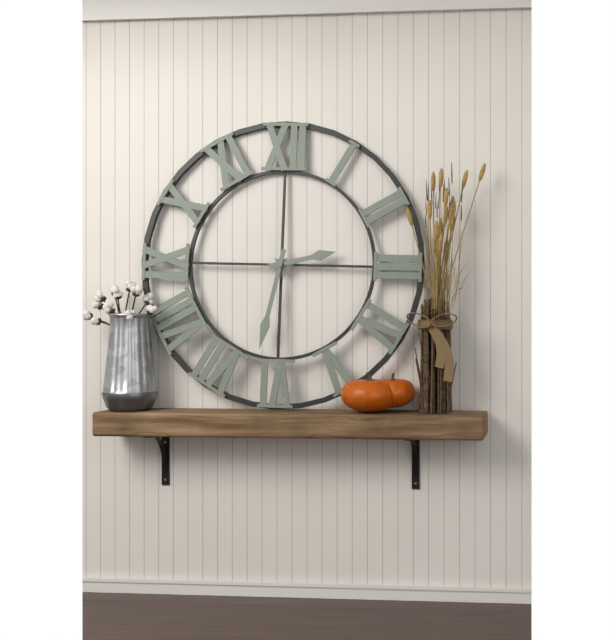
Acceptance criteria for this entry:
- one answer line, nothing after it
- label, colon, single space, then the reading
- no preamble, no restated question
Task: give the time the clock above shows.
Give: 2:32
